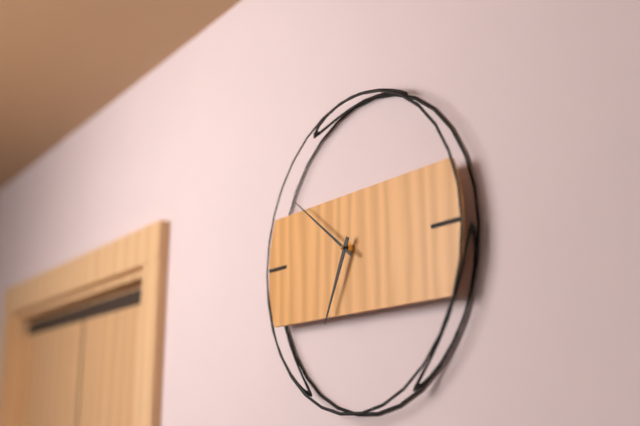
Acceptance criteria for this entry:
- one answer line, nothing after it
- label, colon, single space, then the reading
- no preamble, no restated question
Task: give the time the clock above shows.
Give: 6:51
